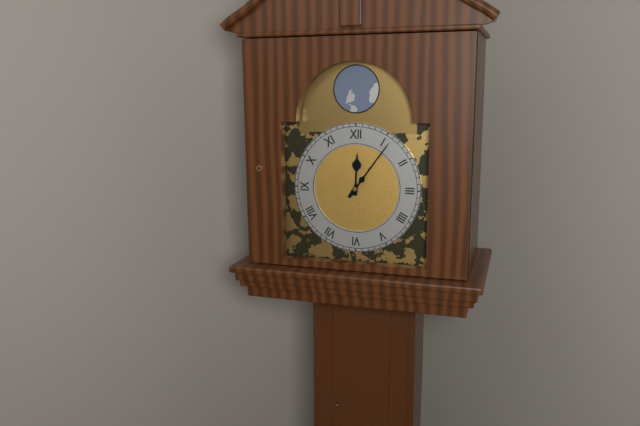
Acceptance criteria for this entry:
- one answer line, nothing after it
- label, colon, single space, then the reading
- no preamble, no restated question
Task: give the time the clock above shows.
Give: 12:06
